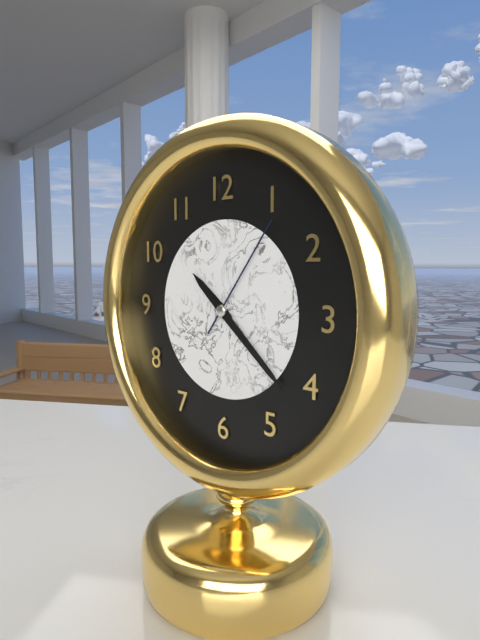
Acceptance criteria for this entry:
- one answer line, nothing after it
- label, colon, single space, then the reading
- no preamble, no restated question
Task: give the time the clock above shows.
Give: 10:22:06
